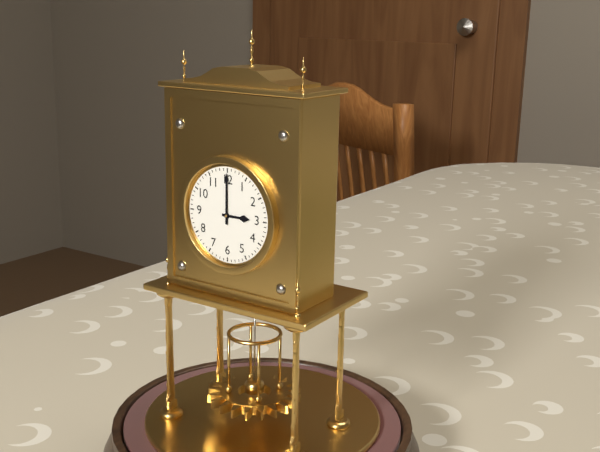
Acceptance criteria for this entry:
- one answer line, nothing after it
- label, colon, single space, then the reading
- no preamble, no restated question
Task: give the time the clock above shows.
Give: 3:00
